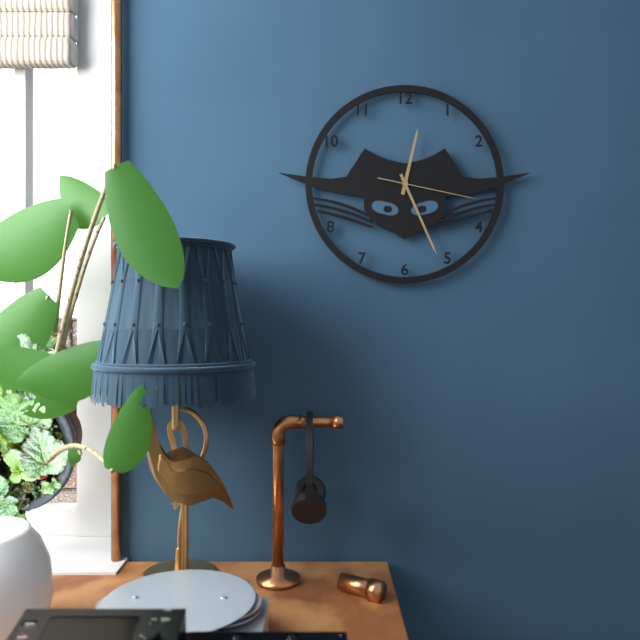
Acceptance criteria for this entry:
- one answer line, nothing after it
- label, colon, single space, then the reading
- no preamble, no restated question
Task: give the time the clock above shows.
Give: 12:26:17
